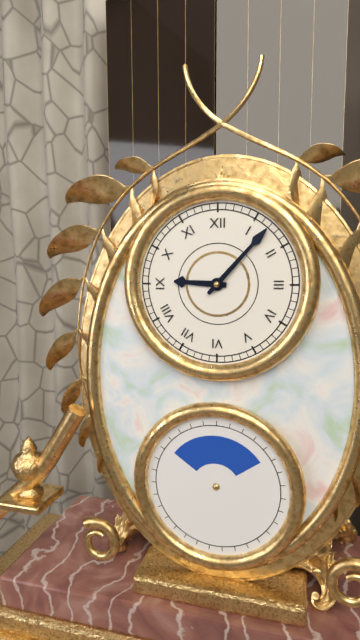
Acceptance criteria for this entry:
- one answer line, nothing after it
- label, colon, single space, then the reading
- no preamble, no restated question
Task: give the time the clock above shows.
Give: 9:07
